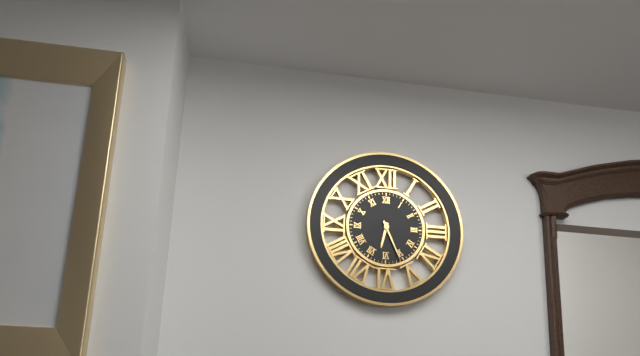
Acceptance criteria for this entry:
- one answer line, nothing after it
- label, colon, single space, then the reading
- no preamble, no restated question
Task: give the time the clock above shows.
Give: 6:26
